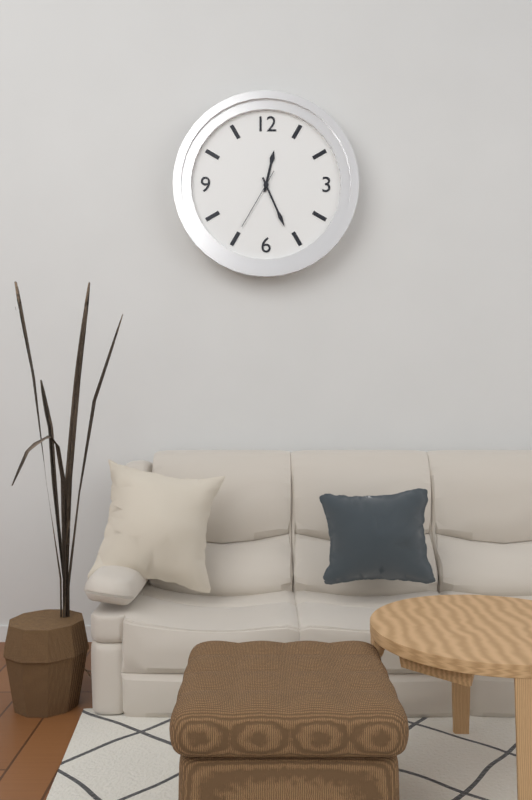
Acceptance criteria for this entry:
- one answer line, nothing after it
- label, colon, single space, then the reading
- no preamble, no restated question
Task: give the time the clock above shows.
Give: 12:26:35
